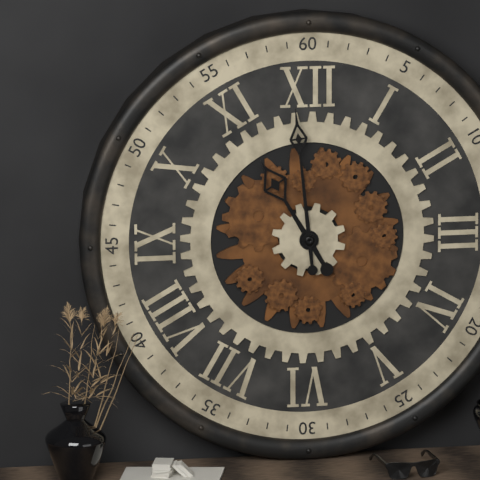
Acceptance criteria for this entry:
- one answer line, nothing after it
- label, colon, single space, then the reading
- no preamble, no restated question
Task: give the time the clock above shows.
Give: 10:59
